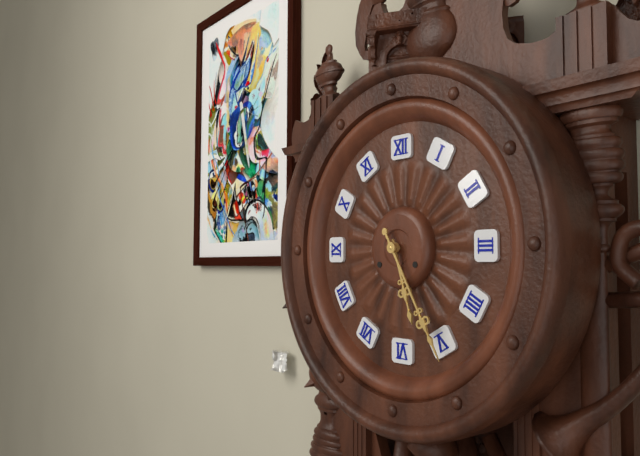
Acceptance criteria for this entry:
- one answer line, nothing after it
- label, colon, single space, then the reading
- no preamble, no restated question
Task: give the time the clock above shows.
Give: 5:25
